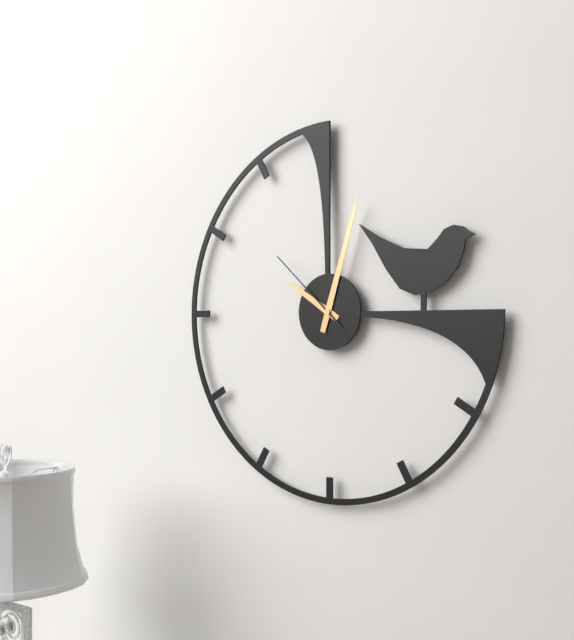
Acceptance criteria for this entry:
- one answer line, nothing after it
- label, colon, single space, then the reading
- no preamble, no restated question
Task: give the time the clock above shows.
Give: 10:03:52
